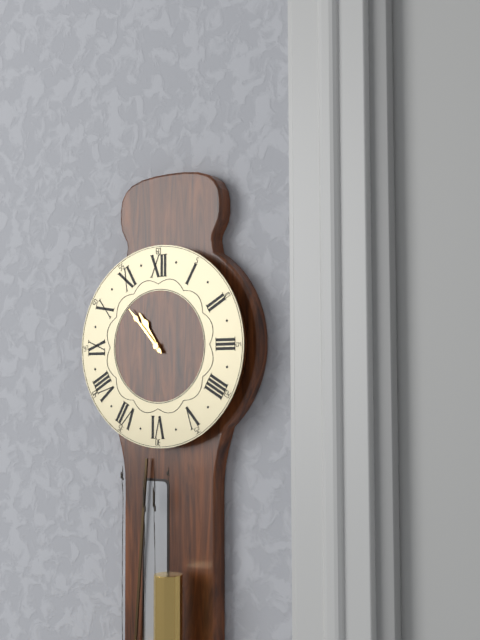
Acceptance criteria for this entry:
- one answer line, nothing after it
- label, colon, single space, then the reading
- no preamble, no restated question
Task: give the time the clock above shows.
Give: 10:53
